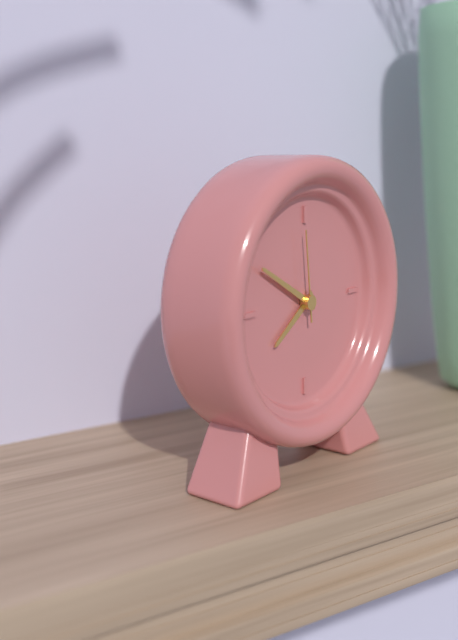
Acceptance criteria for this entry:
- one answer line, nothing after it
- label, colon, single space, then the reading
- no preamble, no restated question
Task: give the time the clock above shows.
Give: 7:50:59
